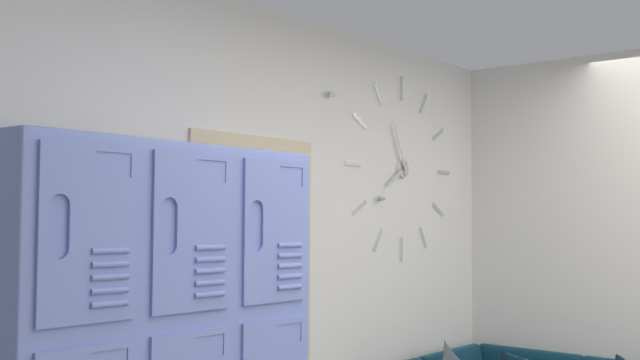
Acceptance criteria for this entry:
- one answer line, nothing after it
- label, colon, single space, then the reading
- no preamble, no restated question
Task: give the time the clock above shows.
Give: 7:56
